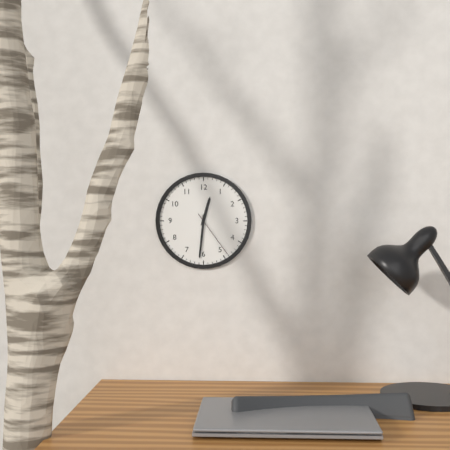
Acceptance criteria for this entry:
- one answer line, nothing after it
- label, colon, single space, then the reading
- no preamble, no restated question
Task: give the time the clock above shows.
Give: 12:31:24
